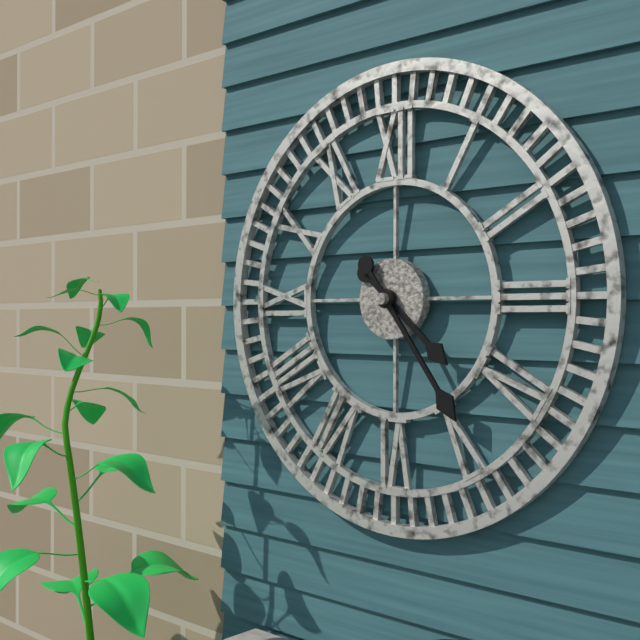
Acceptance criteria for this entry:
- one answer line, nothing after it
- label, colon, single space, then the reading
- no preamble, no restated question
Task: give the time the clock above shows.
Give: 4:24
